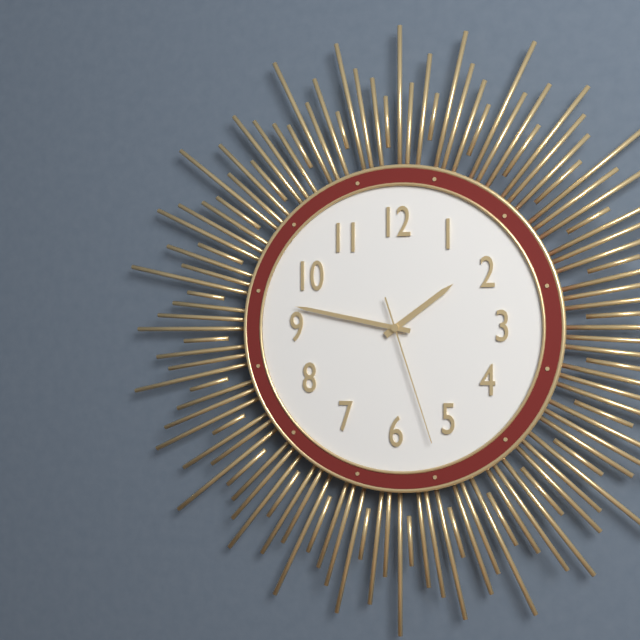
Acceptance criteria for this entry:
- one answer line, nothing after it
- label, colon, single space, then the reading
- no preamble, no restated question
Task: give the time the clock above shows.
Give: 1:47:27
